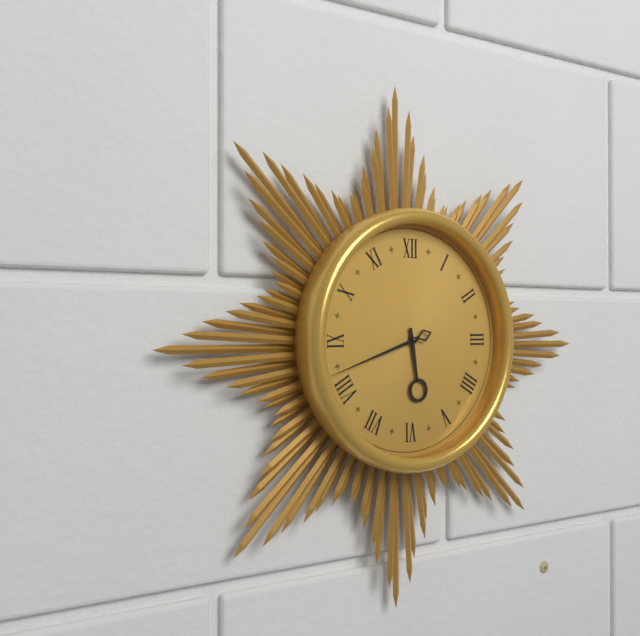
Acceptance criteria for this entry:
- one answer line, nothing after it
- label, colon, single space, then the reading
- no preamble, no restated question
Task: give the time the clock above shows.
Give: 5:42
